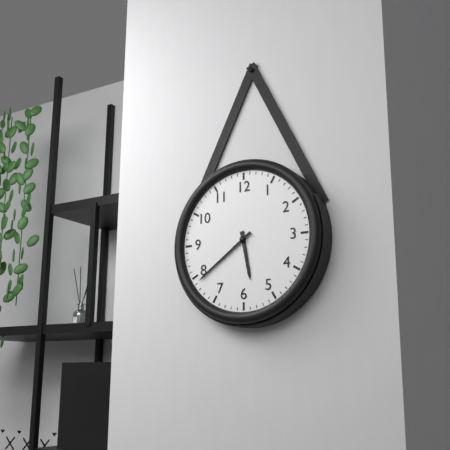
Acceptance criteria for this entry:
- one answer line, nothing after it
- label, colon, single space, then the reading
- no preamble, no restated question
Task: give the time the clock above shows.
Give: 5:39
